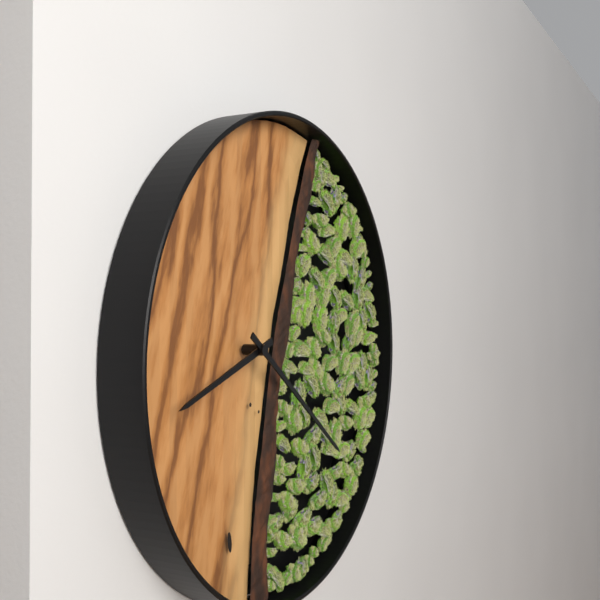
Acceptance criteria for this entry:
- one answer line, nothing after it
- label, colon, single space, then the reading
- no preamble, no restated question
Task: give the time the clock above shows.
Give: 8:21
